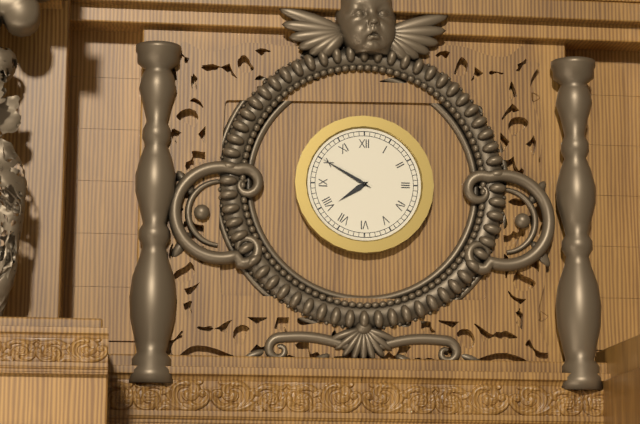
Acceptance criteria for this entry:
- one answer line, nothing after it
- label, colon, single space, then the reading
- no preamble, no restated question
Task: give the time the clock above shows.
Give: 7:50
